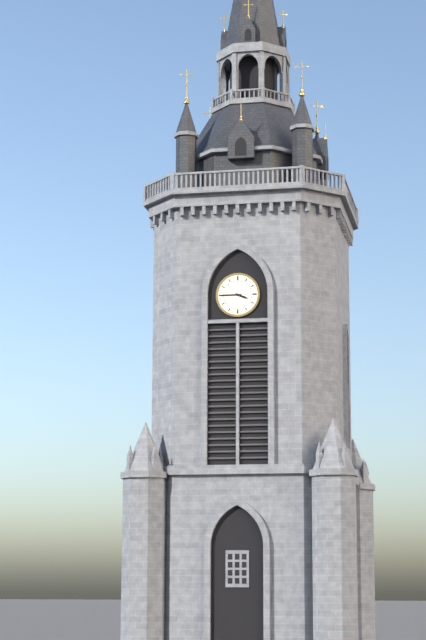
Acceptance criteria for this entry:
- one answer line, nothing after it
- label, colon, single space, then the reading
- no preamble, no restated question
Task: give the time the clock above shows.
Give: 3:45
